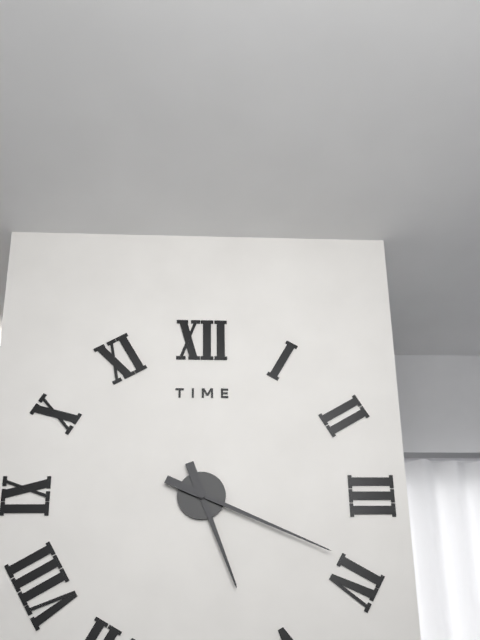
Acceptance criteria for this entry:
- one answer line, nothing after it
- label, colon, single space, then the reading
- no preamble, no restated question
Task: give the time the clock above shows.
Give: 5:19
